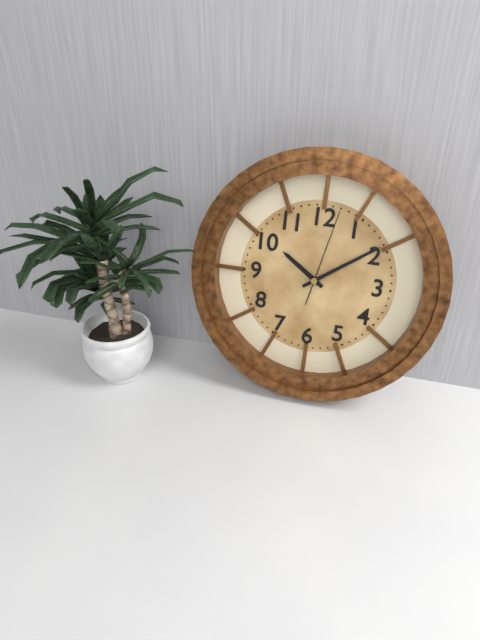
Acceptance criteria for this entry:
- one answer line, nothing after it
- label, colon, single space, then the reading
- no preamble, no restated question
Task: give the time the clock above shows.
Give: 10:09:02
